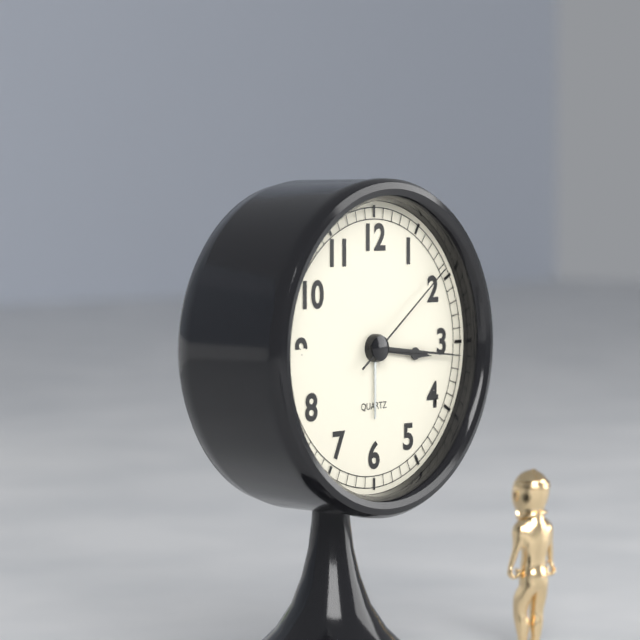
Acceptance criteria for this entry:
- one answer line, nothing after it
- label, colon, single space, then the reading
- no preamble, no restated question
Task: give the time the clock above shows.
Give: 3:16:09
